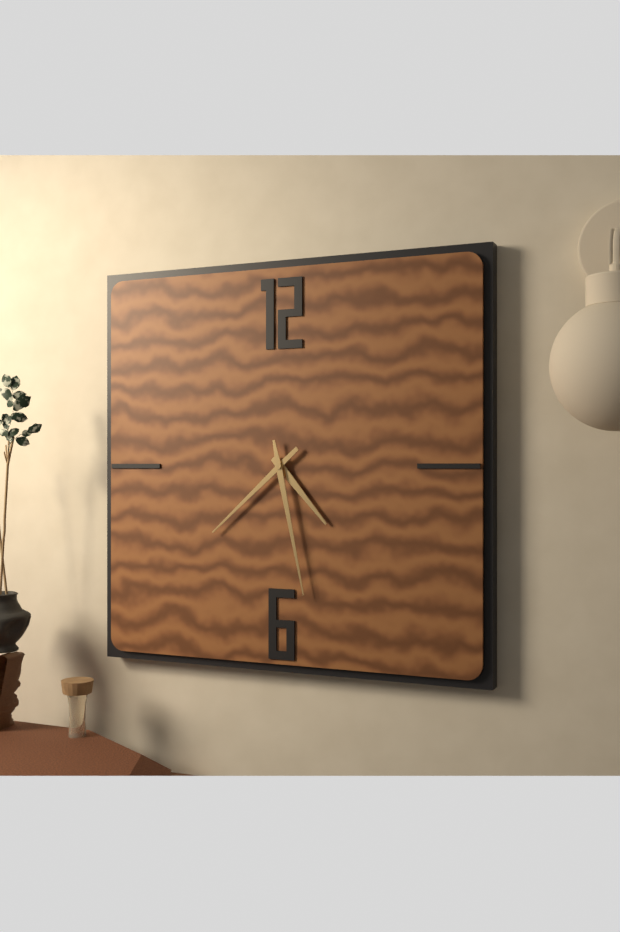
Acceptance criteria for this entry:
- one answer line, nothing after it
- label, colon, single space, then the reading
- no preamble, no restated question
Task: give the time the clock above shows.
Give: 4:38:28
